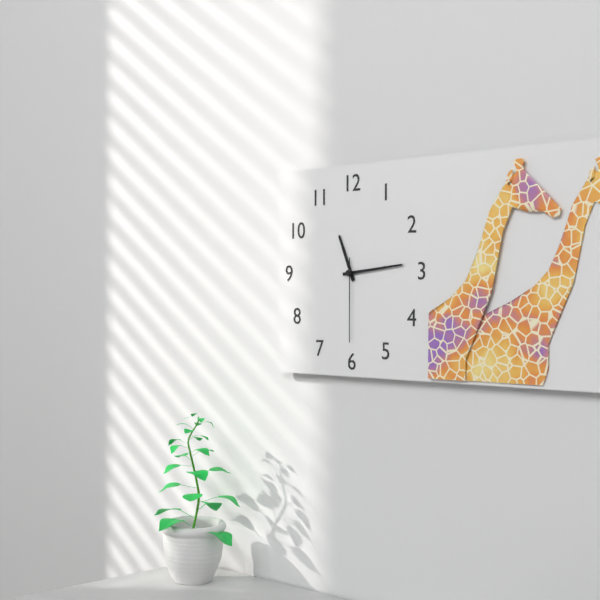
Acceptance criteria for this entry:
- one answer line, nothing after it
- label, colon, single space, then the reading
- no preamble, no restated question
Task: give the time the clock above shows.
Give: 11:14:30
